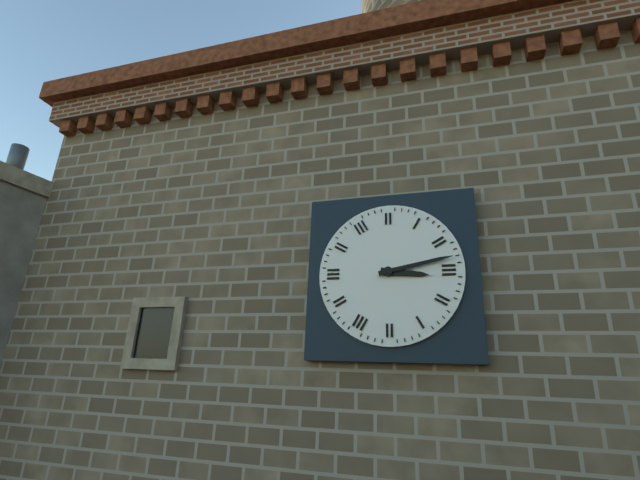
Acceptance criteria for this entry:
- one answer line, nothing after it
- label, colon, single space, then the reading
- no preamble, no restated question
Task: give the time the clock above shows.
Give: 3:13
